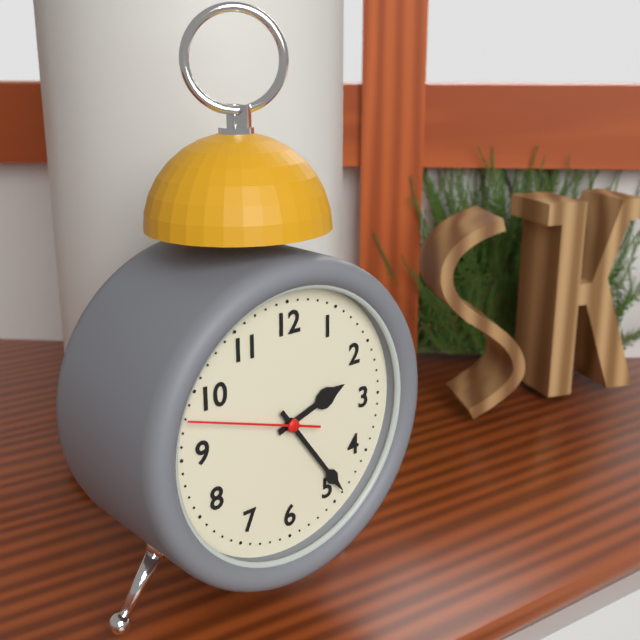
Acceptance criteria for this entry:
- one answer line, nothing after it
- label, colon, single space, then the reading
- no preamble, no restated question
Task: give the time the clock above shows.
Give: 2:24:48
